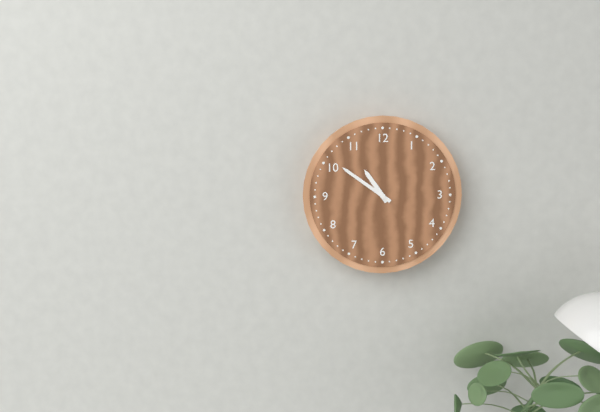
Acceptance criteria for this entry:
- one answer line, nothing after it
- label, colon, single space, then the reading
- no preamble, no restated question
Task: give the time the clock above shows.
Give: 10:51
